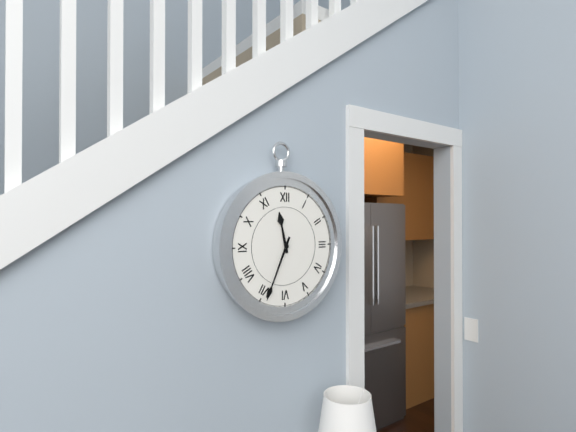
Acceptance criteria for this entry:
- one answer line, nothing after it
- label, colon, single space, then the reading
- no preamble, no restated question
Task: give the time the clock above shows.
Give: 11:34
